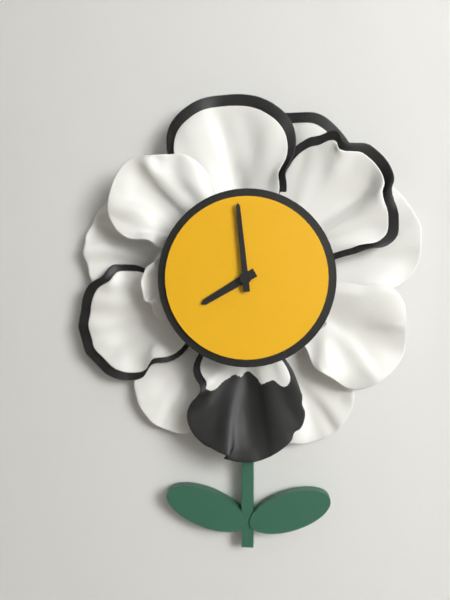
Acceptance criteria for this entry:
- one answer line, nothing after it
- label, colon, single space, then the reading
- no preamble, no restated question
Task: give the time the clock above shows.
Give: 7:59
